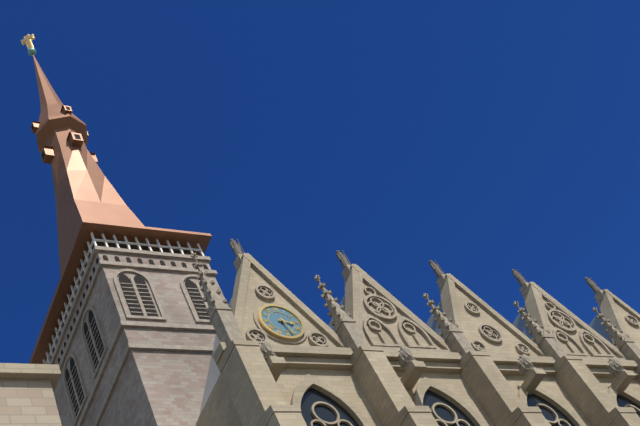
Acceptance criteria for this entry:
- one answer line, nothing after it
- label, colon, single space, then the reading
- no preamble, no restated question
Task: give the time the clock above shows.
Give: 3:27
